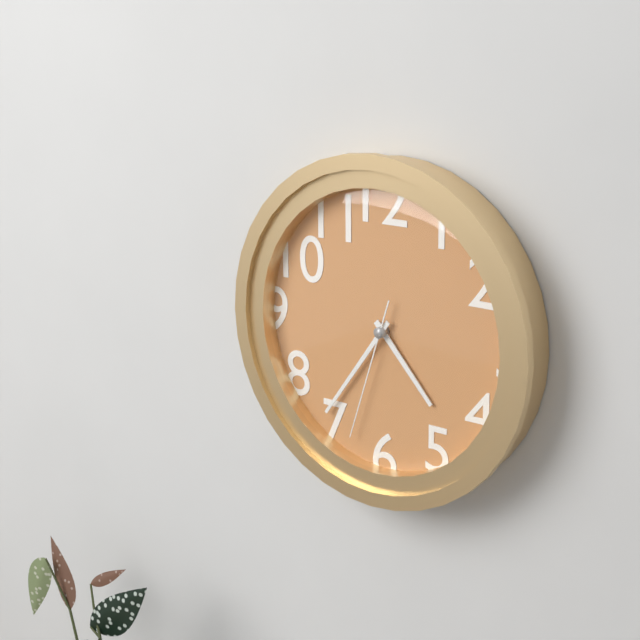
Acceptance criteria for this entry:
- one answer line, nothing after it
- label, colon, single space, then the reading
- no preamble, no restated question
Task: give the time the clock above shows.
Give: 4:36:33
